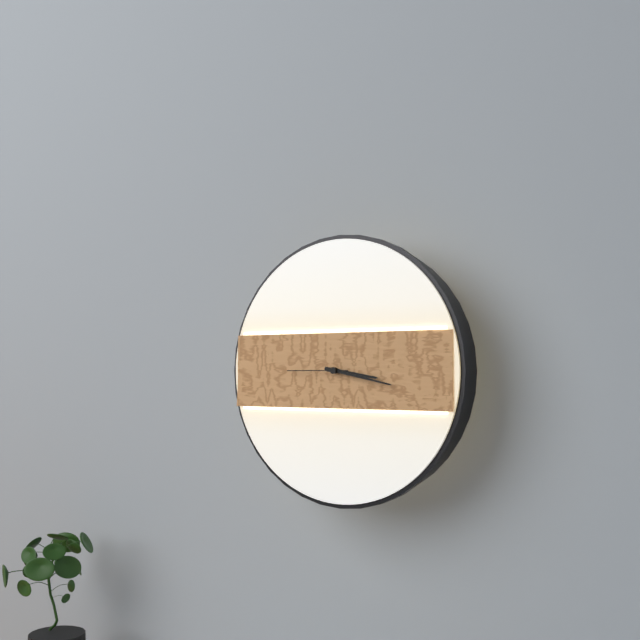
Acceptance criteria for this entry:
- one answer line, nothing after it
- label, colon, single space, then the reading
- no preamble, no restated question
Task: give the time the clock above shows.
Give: 3:17:45
